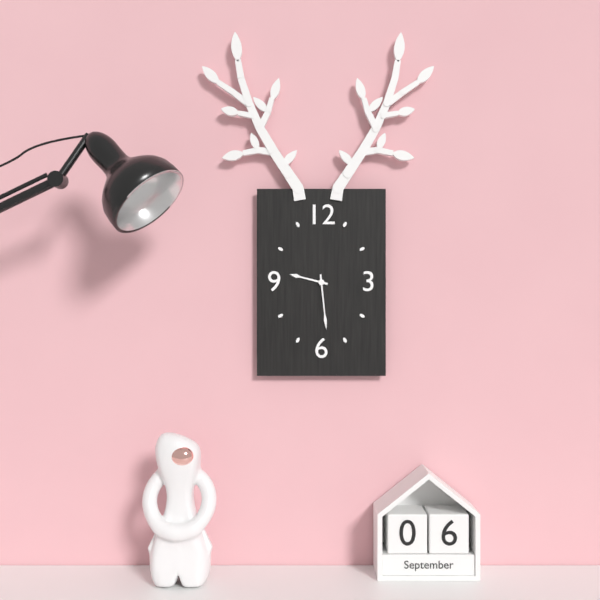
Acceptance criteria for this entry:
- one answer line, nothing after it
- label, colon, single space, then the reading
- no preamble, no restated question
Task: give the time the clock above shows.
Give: 9:29
